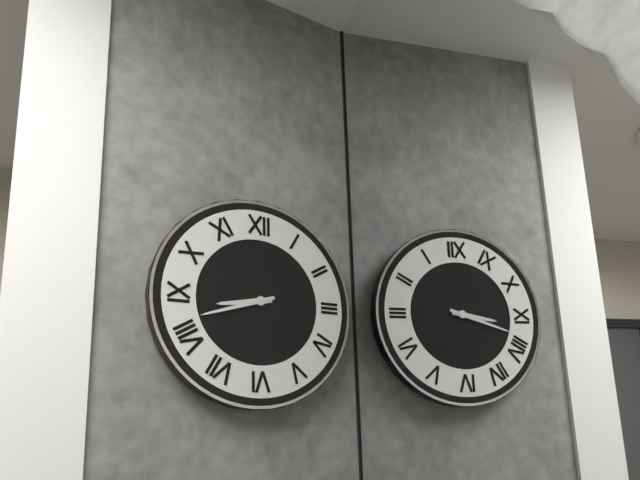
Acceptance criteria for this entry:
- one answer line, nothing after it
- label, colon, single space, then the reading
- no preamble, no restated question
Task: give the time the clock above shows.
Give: 8:42
